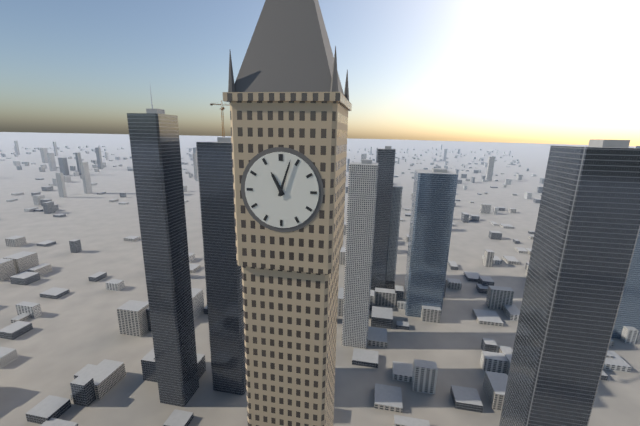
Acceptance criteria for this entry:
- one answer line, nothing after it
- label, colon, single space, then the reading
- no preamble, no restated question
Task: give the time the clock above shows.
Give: 11:03
